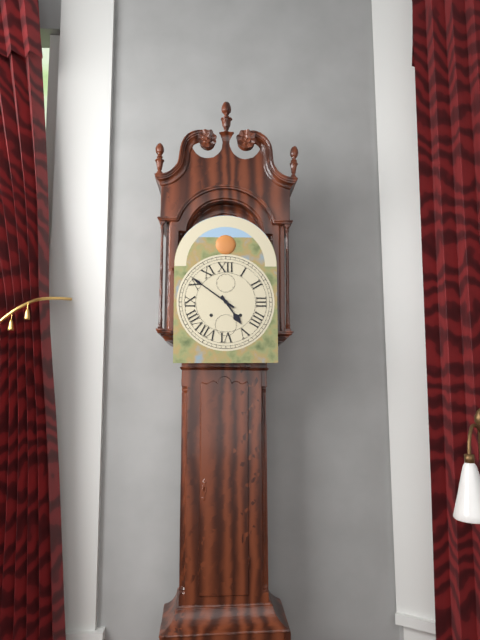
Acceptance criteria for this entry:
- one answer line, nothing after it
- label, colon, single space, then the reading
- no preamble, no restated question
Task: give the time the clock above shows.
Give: 4:51
